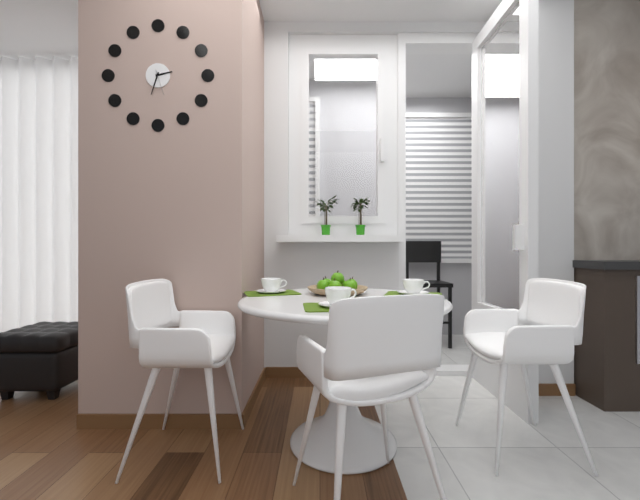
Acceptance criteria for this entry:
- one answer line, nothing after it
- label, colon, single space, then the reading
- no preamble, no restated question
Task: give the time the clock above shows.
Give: 2:33
